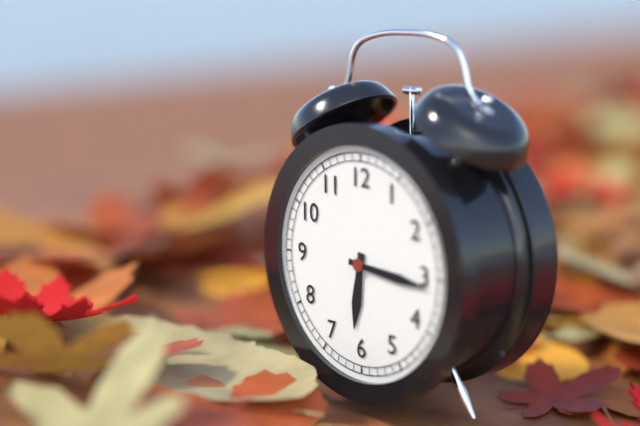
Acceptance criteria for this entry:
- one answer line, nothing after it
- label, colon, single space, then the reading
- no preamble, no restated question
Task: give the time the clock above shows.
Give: 6:16
